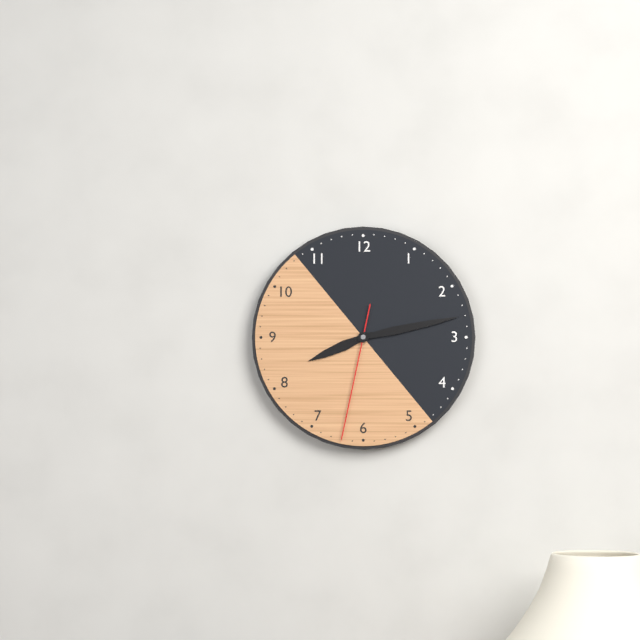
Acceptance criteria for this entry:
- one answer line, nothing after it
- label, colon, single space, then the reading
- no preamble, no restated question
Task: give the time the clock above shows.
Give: 8:13:32
